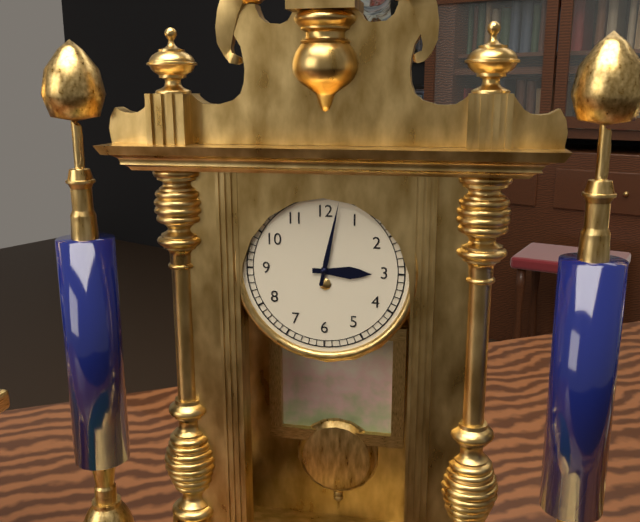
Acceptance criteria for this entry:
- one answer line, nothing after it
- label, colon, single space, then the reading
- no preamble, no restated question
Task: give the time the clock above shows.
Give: 3:02
